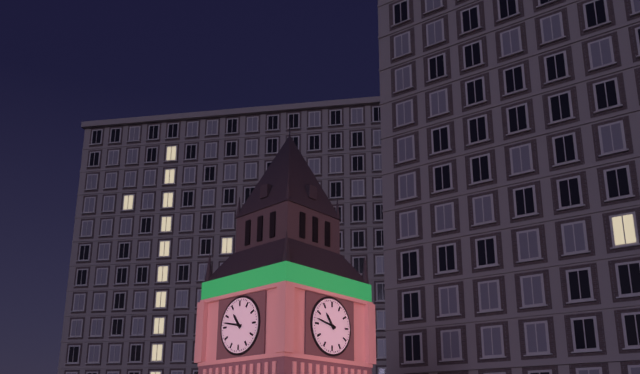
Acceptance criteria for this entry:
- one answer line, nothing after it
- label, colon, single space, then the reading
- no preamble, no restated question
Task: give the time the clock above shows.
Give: 10:47
